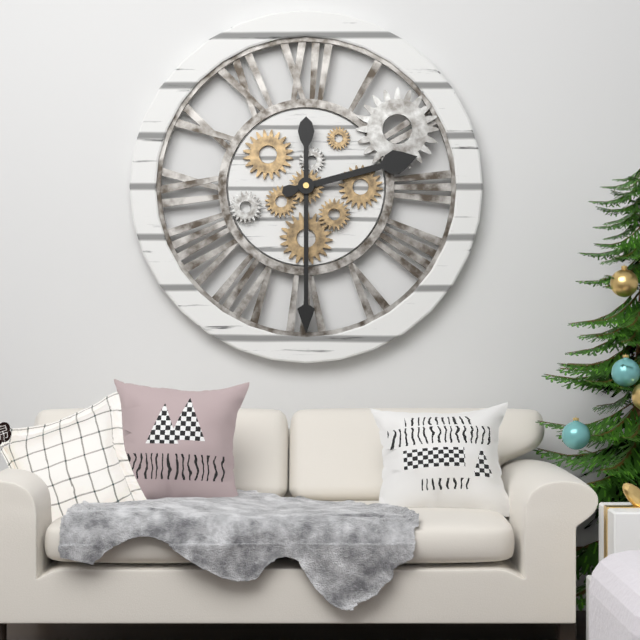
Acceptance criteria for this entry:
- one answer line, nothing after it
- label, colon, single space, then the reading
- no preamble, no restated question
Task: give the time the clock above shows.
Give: 2:30
